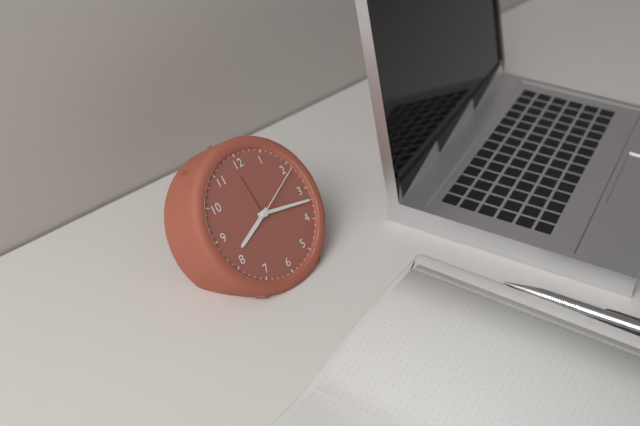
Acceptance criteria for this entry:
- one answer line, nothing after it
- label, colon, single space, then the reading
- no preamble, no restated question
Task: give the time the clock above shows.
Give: 8:17:11
